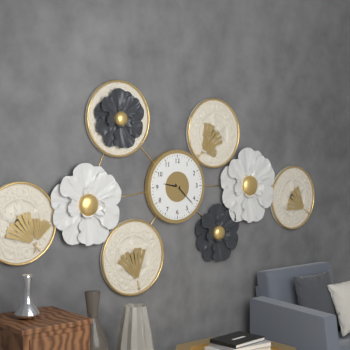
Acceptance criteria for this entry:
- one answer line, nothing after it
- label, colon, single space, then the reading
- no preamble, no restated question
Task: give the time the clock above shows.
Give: 9:22
